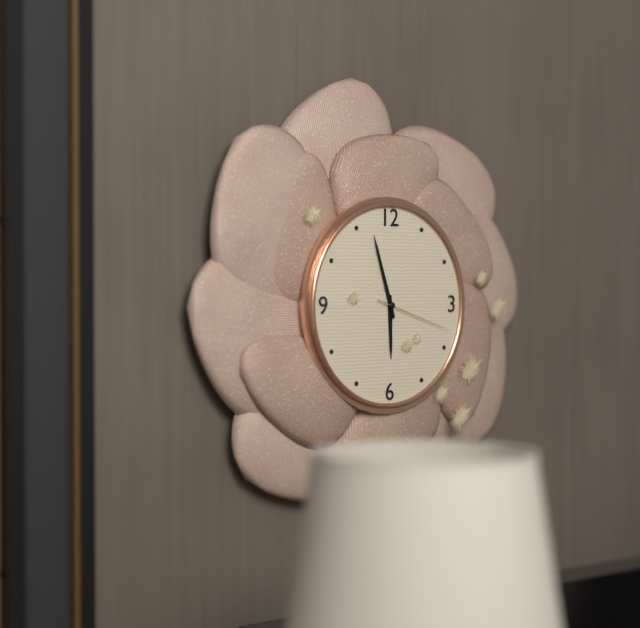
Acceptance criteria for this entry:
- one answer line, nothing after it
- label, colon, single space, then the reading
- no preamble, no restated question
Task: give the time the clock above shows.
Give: 5:57:18
